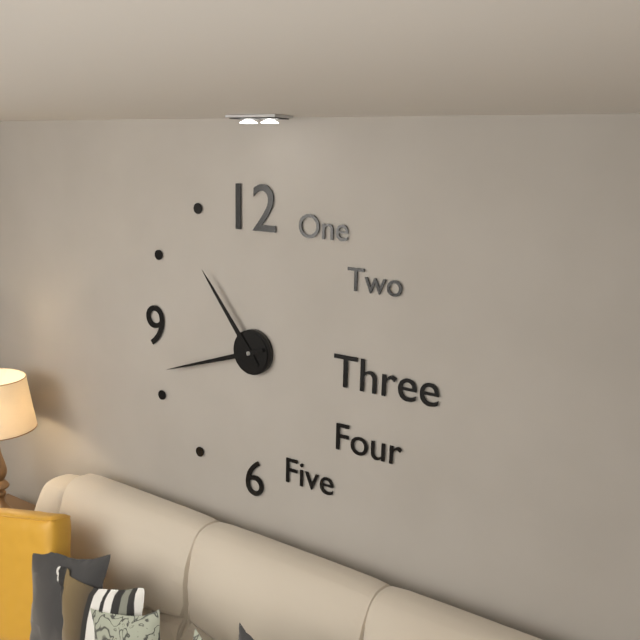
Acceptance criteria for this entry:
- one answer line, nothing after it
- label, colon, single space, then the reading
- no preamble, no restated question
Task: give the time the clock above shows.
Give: 10:42
